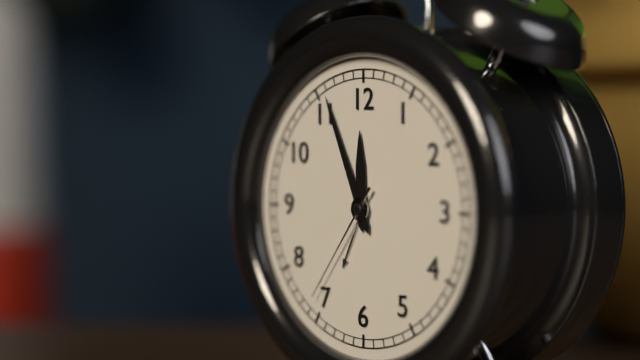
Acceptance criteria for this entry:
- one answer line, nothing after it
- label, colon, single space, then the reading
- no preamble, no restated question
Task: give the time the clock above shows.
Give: 11:56:36
